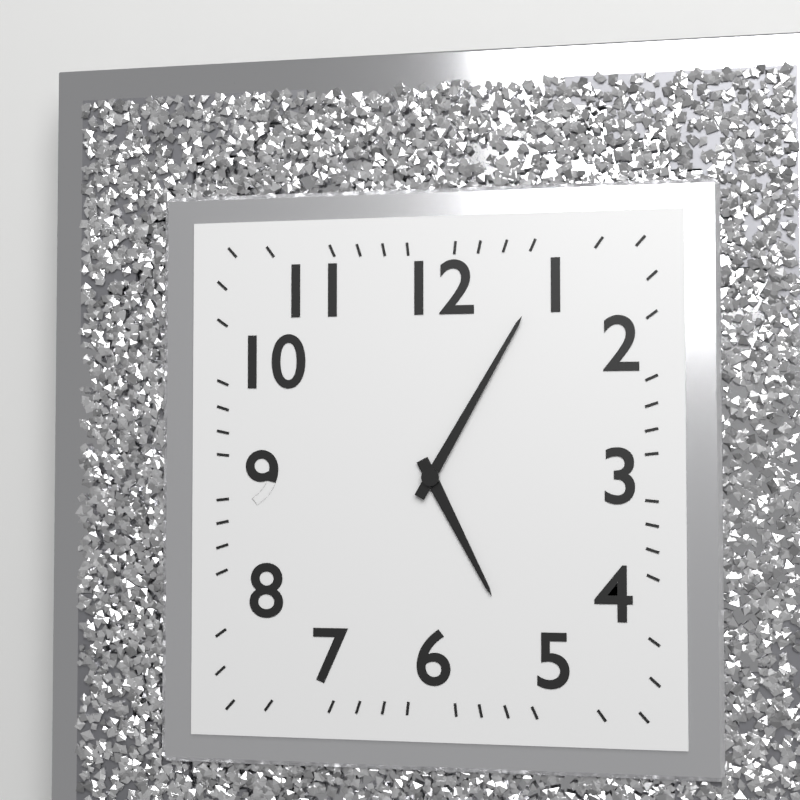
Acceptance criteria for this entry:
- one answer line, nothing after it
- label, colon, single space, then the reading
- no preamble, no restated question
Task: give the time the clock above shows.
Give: 5:05
